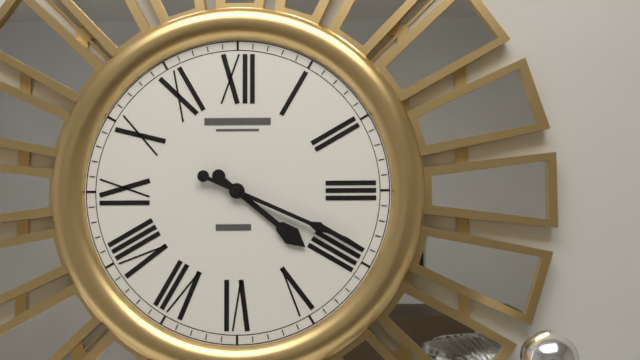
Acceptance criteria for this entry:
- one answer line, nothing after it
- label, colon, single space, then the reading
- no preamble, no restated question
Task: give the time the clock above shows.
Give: 4:19
